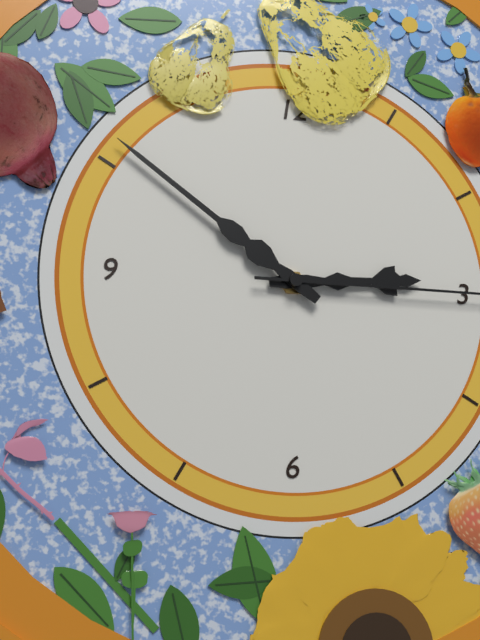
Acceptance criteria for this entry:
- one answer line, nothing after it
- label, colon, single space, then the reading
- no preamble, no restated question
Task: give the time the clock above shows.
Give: 2:51
